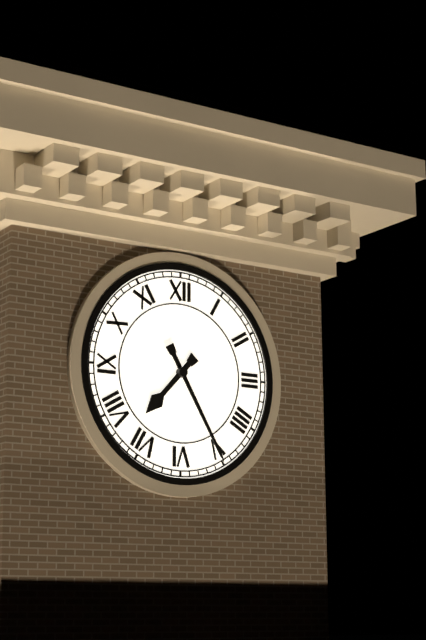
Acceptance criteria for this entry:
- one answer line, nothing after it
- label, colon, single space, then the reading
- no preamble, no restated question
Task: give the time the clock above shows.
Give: 7:25
